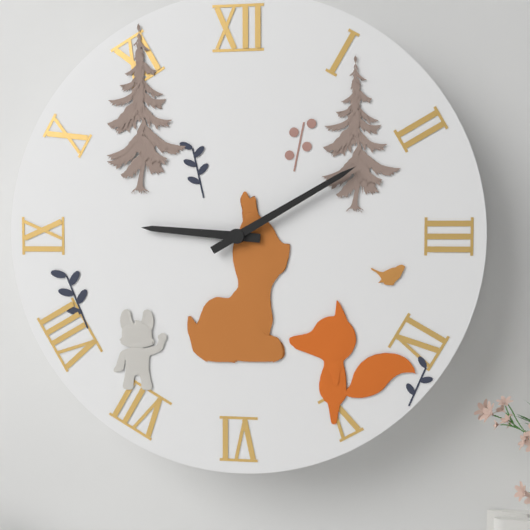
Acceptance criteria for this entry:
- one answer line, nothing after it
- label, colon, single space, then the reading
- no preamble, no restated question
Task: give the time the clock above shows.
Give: 9:10
